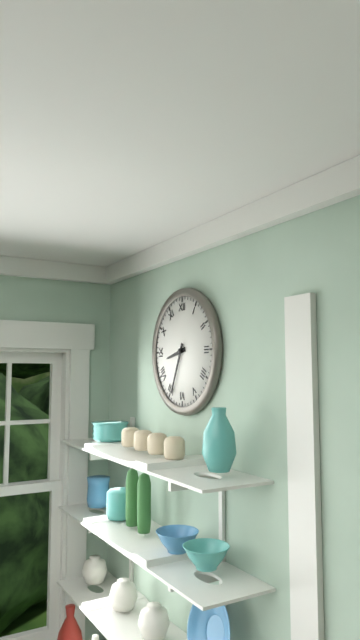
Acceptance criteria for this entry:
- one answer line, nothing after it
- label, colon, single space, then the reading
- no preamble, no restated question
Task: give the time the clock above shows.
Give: 8:34
